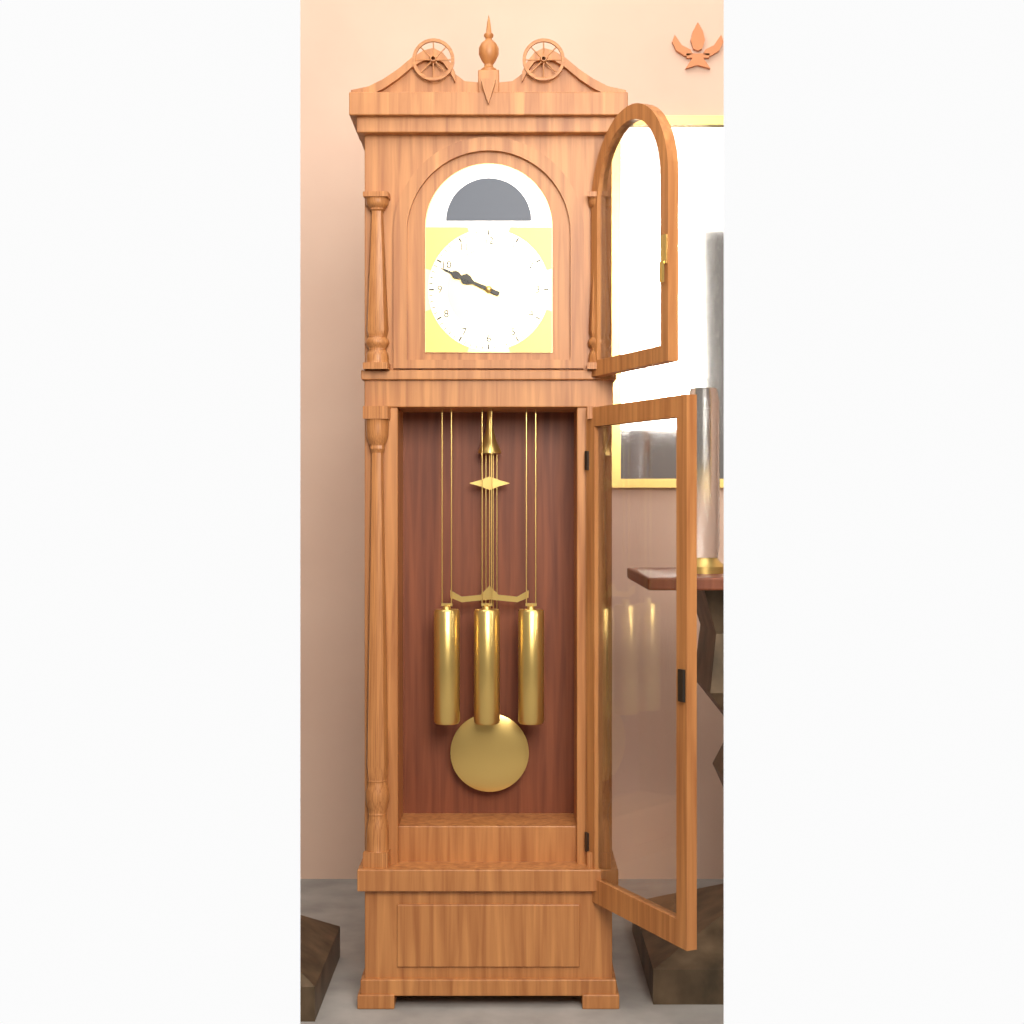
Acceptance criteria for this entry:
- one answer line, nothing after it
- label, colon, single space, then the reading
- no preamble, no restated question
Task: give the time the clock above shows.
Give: 9:49
